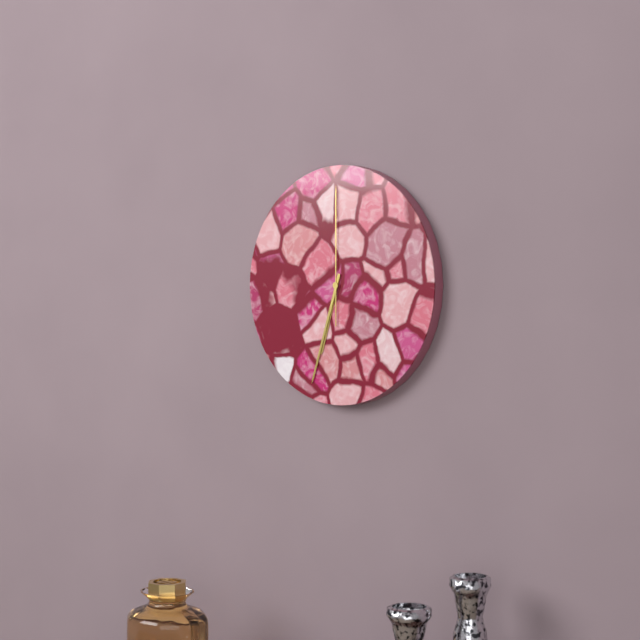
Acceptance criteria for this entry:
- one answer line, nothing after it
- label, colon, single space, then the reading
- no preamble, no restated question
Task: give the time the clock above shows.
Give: 6:33:00
